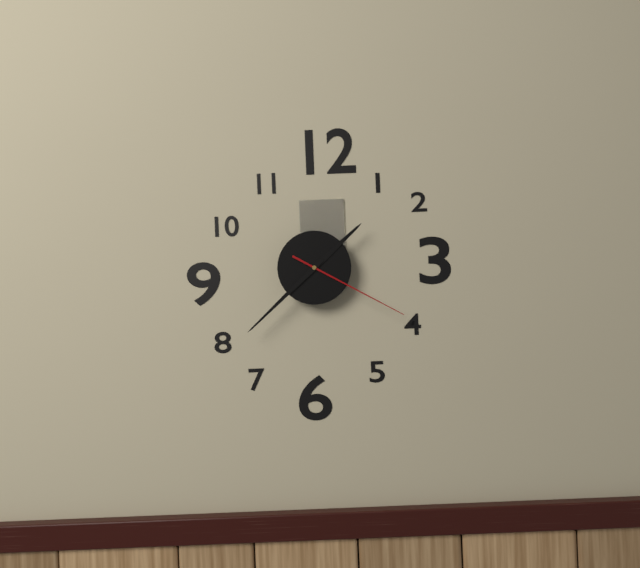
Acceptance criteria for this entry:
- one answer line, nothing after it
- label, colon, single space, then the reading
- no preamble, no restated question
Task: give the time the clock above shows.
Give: 1:38:20
